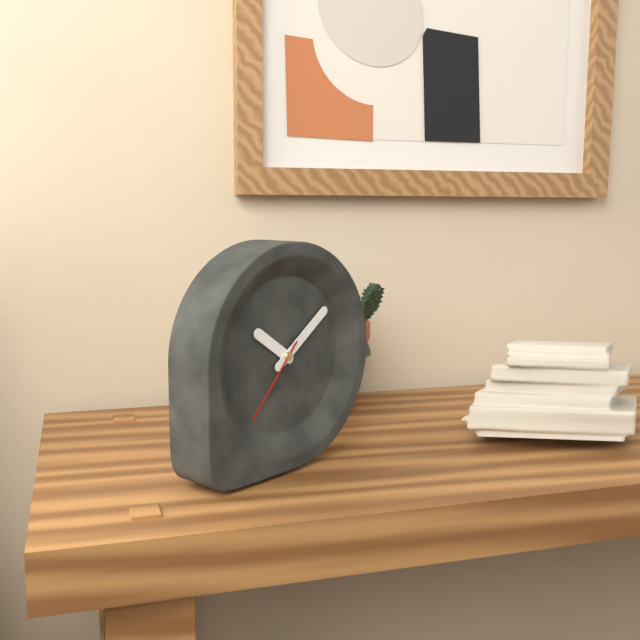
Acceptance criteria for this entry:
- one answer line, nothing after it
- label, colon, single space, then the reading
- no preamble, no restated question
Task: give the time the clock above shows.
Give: 10:09:37
